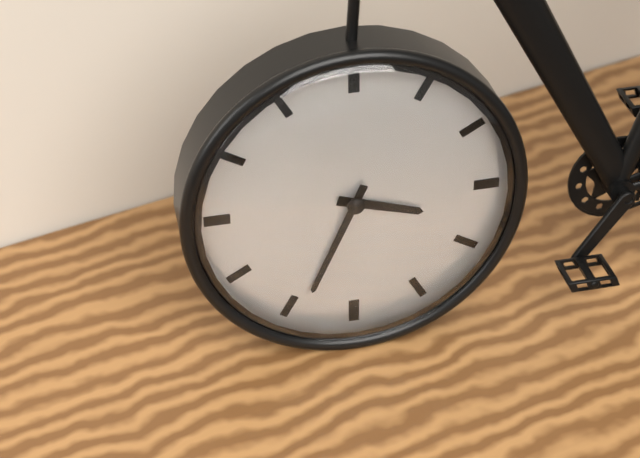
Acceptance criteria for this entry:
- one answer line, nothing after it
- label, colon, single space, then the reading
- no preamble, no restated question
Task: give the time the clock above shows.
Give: 3:34
